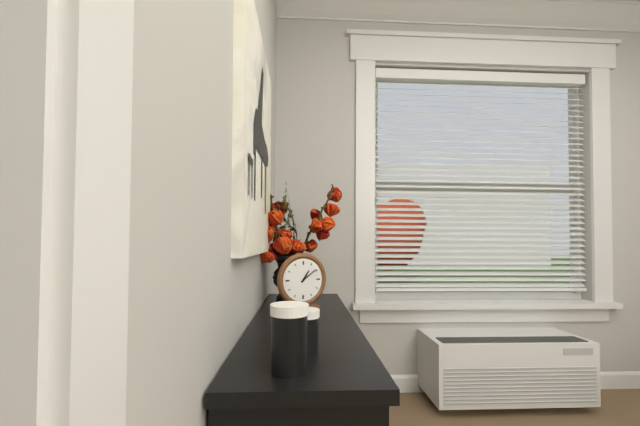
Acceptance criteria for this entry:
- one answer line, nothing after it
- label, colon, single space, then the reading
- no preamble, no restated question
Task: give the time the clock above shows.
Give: 1:09
